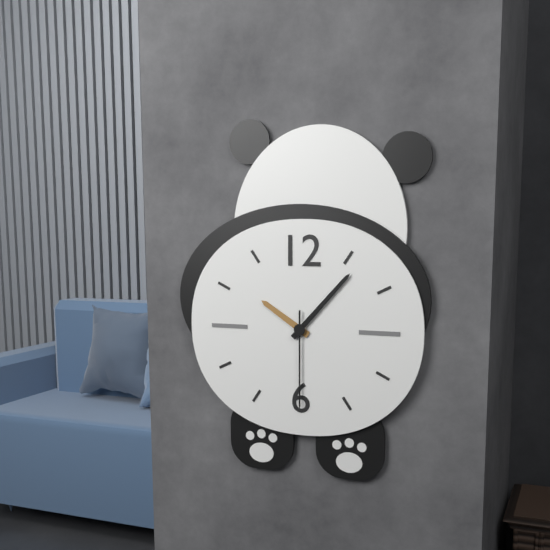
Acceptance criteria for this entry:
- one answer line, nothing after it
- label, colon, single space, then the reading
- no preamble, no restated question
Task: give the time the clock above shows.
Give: 10:07:30
